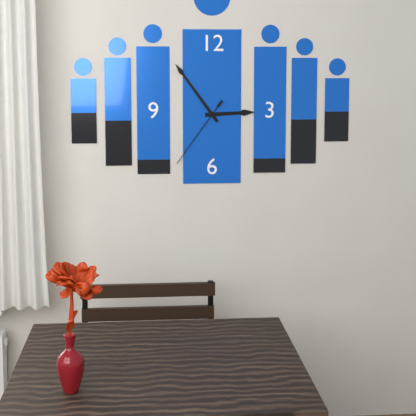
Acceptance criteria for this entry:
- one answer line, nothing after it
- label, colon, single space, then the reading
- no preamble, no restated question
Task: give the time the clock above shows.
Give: 2:54:36
